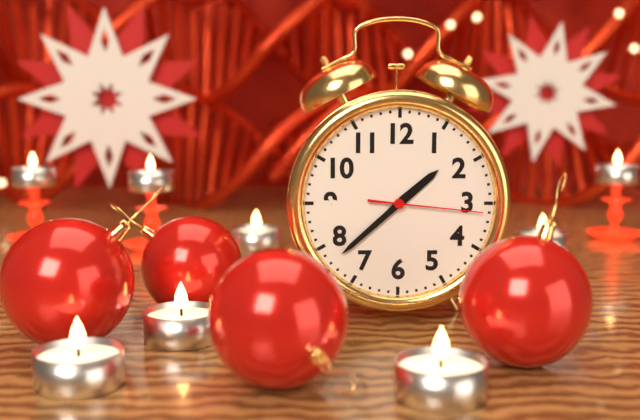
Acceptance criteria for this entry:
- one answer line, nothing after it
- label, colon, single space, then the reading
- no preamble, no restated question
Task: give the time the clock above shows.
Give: 1:38:16
